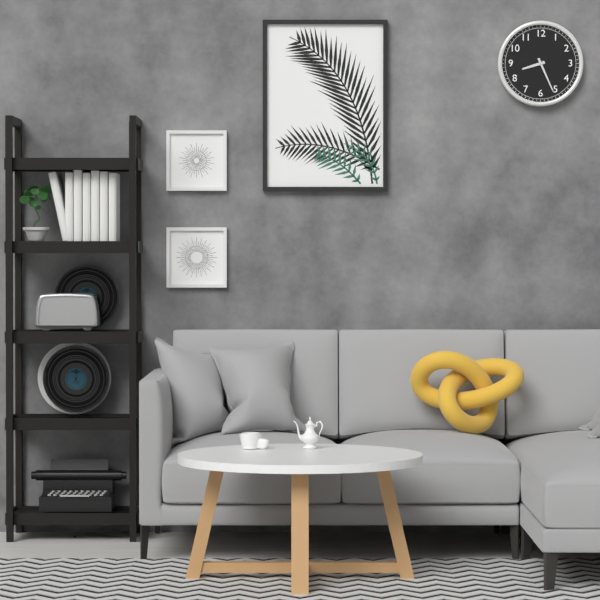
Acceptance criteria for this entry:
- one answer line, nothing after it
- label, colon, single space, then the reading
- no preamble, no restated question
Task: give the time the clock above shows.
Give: 8:26
